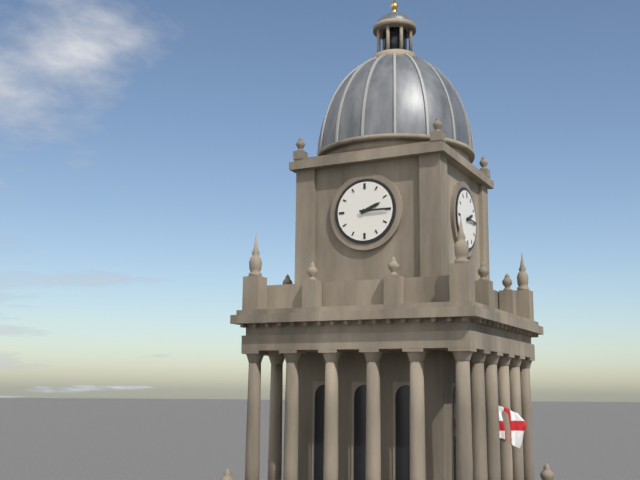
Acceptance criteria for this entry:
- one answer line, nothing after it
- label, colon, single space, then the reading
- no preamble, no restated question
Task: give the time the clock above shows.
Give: 2:15
